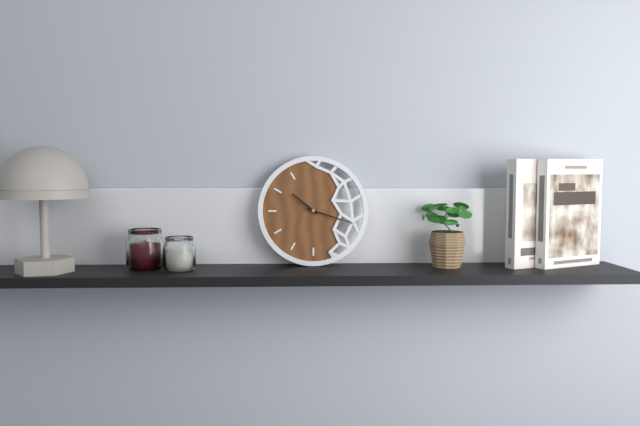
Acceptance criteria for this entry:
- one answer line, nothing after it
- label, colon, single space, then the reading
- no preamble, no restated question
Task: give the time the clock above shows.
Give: 10:18
